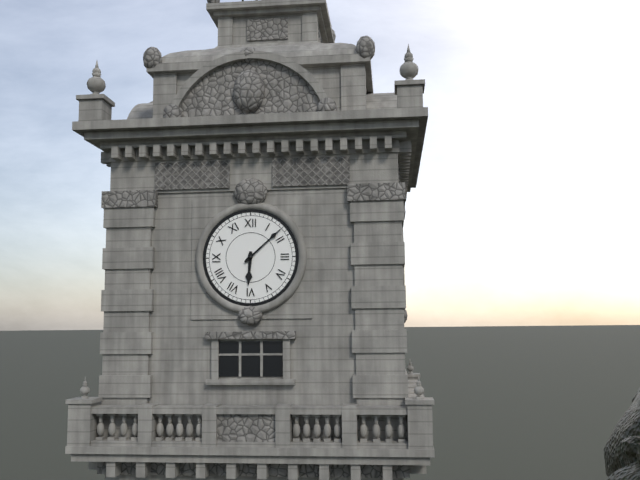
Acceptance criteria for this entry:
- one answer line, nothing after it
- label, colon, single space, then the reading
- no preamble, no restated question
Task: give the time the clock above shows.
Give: 6:08
